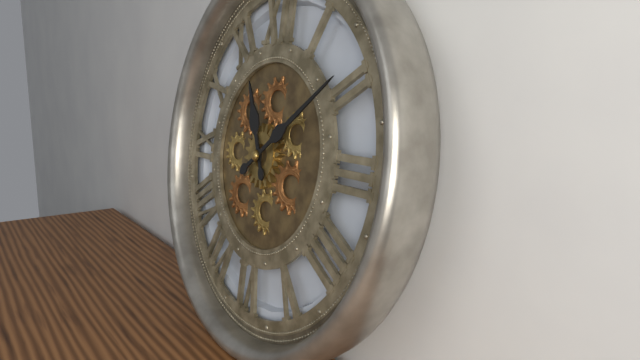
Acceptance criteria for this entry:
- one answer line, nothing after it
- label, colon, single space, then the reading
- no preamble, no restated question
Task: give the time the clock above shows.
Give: 11:09
